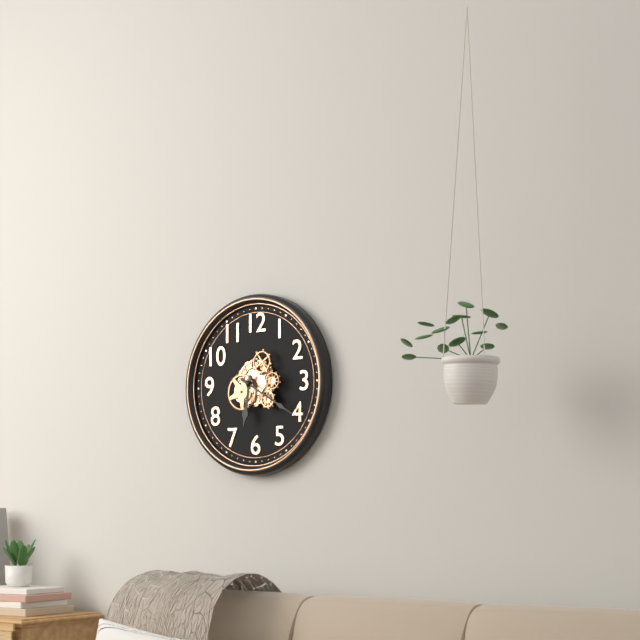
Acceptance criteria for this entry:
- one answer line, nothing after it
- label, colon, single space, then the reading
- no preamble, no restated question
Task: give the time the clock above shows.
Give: 6:20
